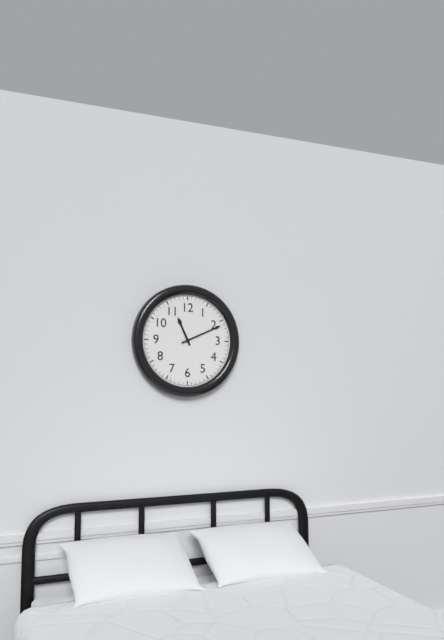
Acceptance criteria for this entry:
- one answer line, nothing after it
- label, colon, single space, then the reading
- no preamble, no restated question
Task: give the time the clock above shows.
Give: 11:11
